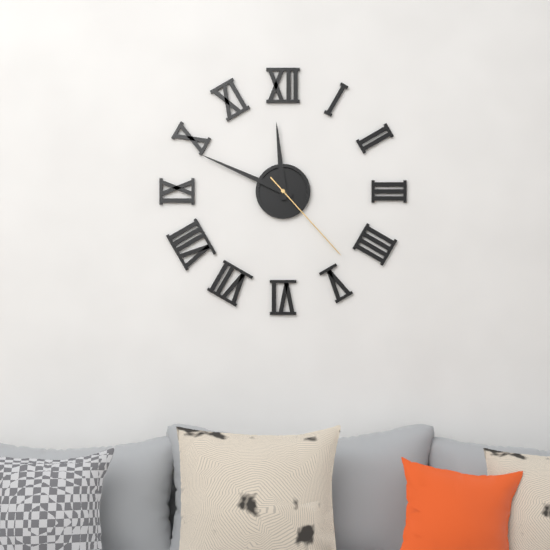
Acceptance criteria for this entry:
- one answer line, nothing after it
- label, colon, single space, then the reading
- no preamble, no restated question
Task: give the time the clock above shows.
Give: 11:49:23
